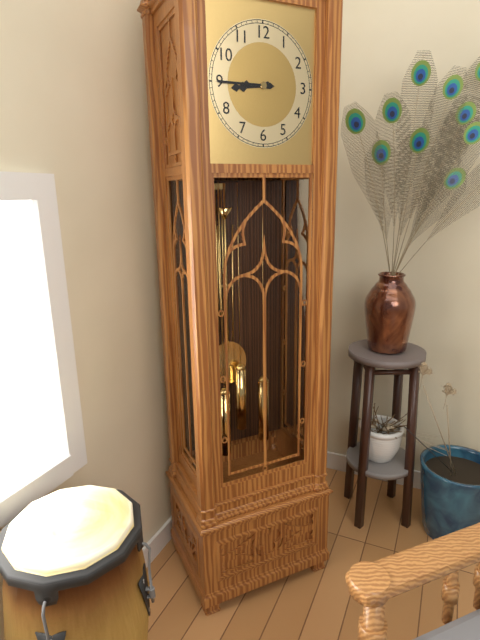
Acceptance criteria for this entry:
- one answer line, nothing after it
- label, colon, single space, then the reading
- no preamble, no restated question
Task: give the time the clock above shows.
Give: 8:45
